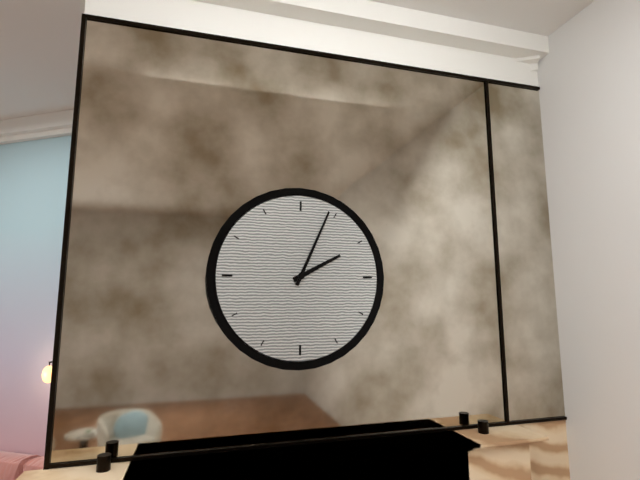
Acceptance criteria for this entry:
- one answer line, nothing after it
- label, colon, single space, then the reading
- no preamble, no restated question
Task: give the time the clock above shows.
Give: 2:04
